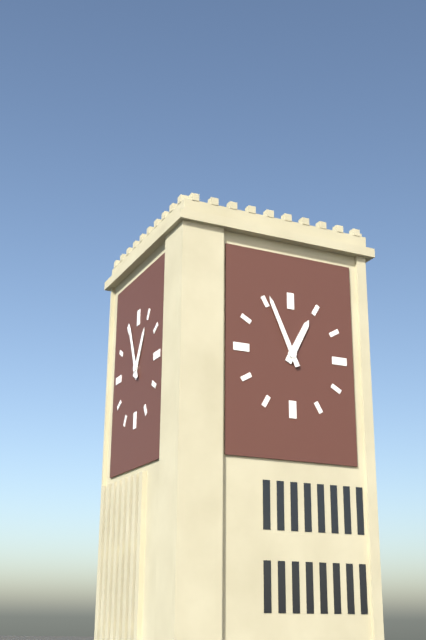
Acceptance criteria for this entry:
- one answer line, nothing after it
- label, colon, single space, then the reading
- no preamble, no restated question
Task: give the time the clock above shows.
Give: 12:56
